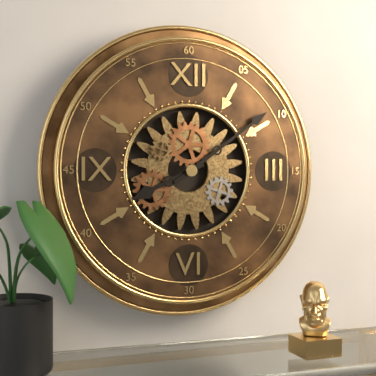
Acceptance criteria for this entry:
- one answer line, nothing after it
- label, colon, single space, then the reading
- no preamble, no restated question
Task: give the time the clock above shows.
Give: 8:09
